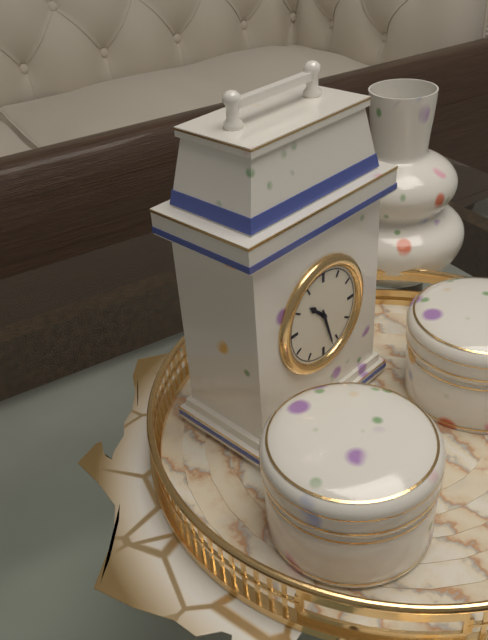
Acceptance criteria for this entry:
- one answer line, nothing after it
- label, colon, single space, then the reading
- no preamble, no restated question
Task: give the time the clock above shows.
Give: 10:27
